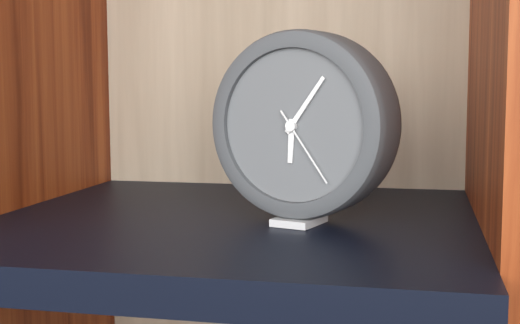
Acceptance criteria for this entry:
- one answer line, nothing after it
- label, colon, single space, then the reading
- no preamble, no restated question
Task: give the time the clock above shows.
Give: 6:06:24
